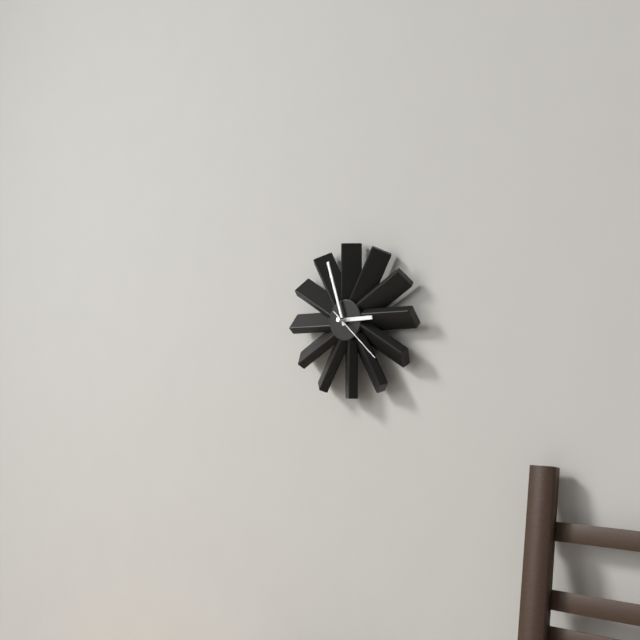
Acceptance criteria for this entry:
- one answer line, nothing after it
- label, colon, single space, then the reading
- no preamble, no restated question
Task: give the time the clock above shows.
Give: 2:57:22
